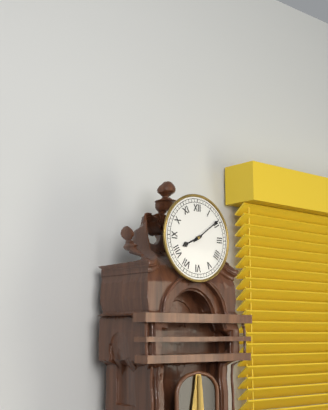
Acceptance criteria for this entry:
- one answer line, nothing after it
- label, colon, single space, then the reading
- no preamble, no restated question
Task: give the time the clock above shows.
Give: 8:09
